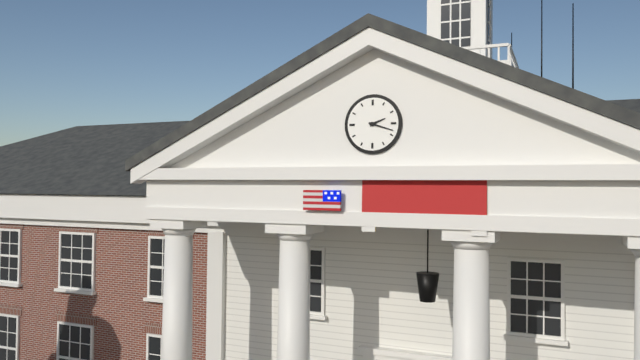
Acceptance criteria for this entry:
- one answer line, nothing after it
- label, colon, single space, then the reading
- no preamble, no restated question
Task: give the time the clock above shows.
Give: 2:18
